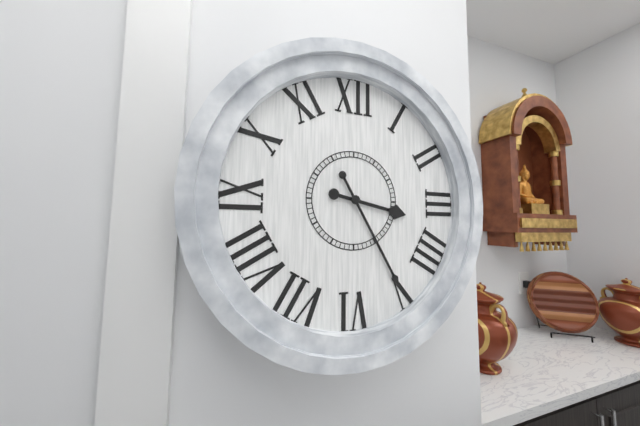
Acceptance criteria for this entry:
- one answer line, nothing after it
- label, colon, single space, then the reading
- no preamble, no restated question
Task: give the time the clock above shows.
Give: 3:25
